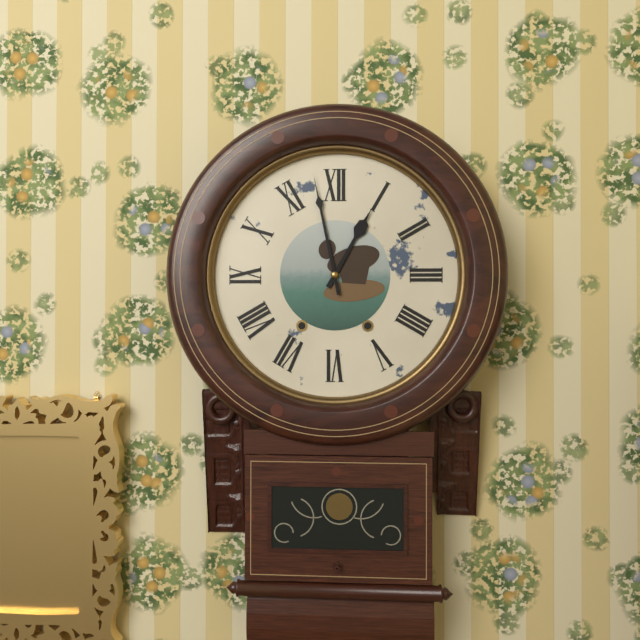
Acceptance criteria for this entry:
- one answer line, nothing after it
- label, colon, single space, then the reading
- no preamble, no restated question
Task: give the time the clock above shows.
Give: 12:58
